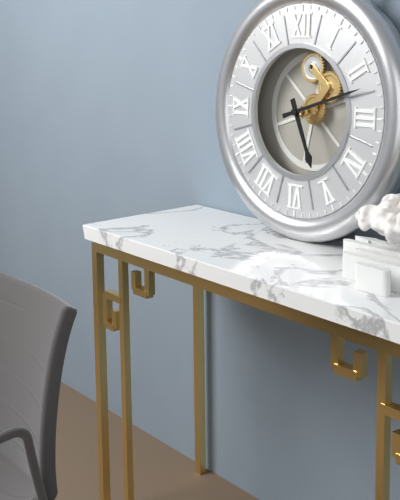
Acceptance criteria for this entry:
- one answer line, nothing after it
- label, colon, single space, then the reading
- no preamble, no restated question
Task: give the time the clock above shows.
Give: 5:12
